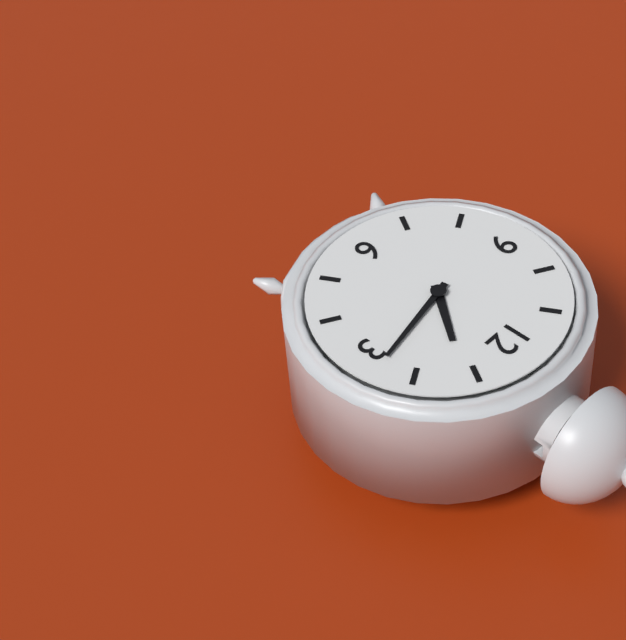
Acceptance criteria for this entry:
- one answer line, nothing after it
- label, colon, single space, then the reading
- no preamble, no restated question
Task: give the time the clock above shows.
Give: 1:13
